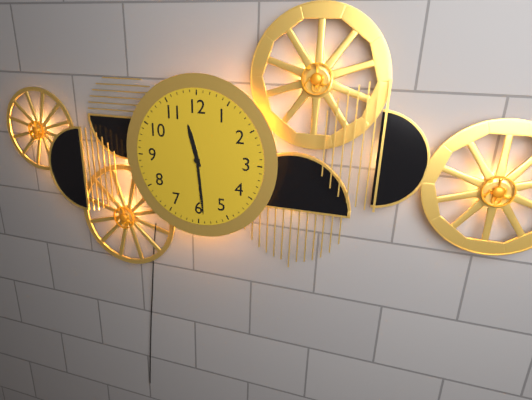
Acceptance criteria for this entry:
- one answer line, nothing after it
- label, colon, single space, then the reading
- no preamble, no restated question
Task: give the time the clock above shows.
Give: 11:29
